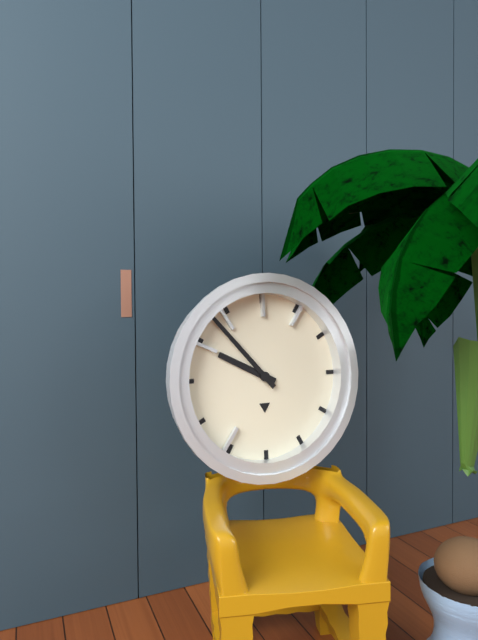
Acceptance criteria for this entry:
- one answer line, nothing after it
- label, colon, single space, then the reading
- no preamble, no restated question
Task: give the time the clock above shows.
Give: 9:53
